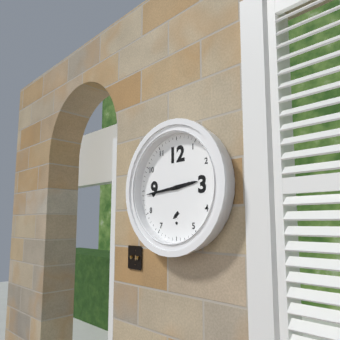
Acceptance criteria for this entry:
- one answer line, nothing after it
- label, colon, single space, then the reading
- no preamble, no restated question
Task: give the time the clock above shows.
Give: 2:44
